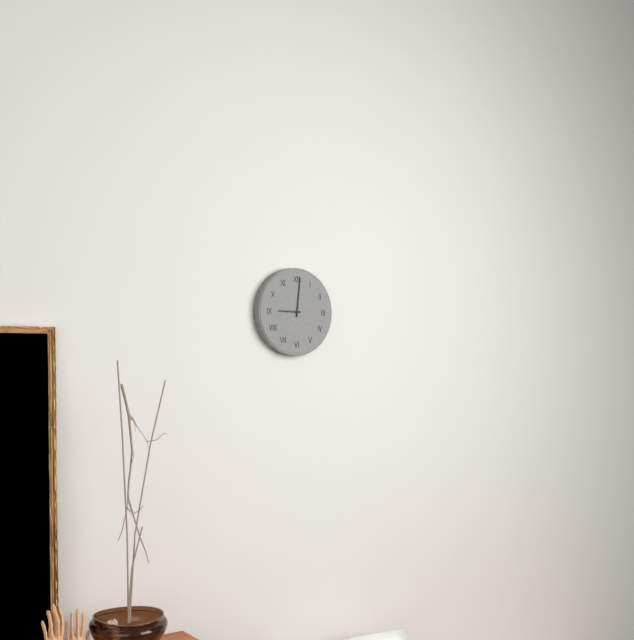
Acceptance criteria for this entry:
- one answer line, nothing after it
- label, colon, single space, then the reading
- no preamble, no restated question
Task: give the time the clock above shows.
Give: 9:01
